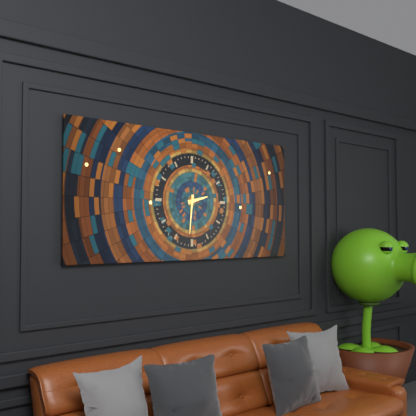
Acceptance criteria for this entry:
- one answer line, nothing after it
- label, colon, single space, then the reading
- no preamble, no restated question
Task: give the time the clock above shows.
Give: 2:31
